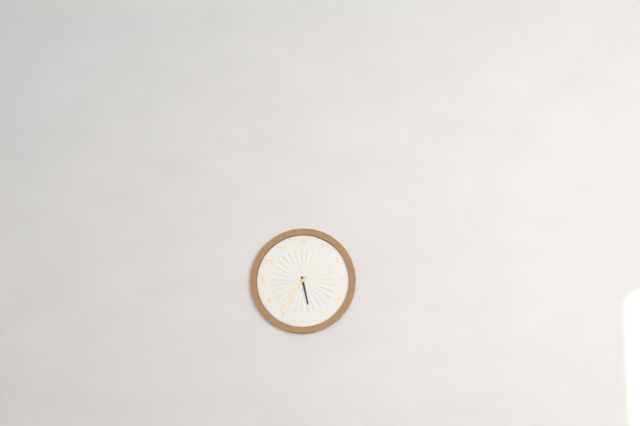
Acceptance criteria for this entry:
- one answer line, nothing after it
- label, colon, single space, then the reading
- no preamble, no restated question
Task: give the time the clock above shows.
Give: 5:36
